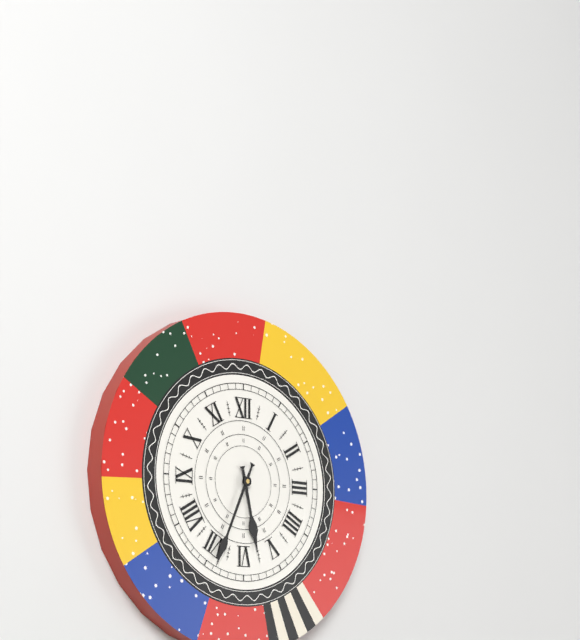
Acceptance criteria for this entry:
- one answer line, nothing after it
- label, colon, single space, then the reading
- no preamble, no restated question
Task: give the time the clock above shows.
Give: 5:34
